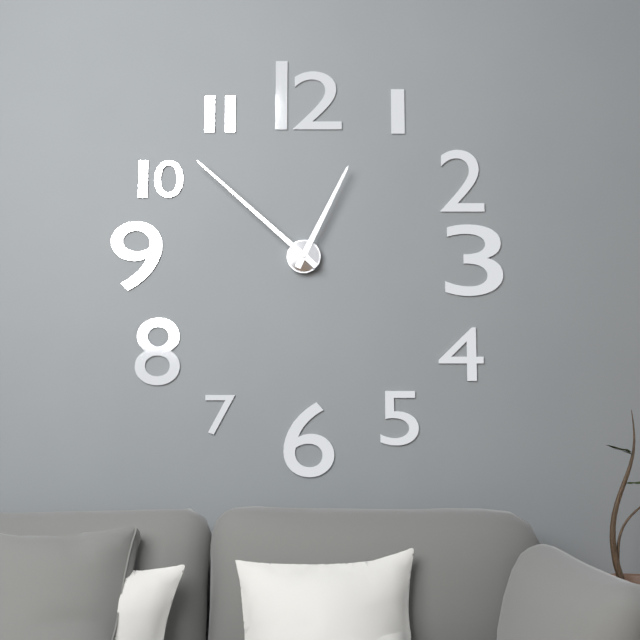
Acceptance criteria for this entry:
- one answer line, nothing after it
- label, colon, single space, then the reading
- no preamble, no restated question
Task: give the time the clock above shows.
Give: 12:52
